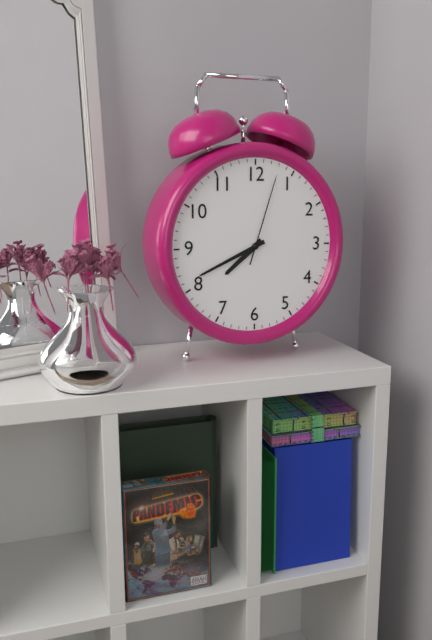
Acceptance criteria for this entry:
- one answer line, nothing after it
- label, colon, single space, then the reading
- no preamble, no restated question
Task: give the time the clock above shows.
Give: 7:41:03
